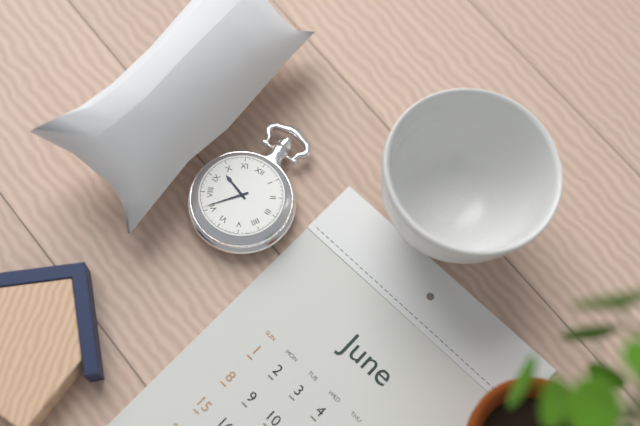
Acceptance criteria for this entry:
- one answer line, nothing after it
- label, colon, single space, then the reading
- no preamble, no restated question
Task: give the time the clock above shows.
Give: 9:36
